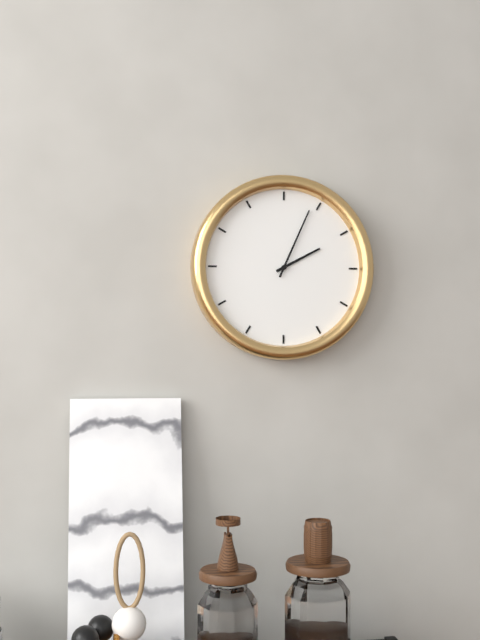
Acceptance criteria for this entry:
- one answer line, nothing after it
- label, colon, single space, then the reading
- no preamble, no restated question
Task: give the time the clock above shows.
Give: 2:04
